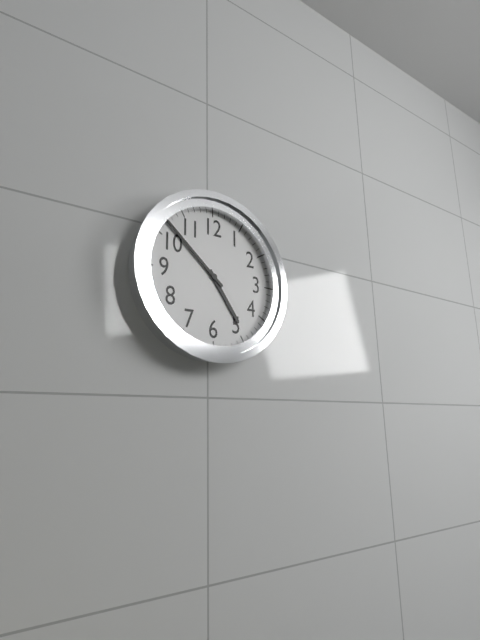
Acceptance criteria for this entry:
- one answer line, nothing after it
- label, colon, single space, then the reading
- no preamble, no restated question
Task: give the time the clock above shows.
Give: 4:52
